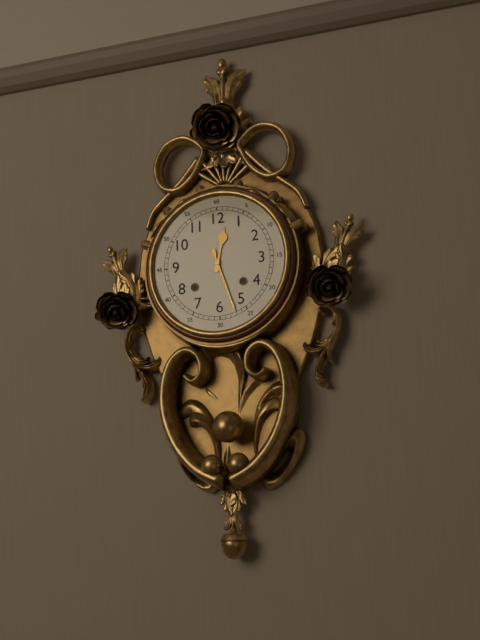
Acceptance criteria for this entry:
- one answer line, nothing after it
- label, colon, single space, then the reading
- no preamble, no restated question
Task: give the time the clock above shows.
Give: 12:27
